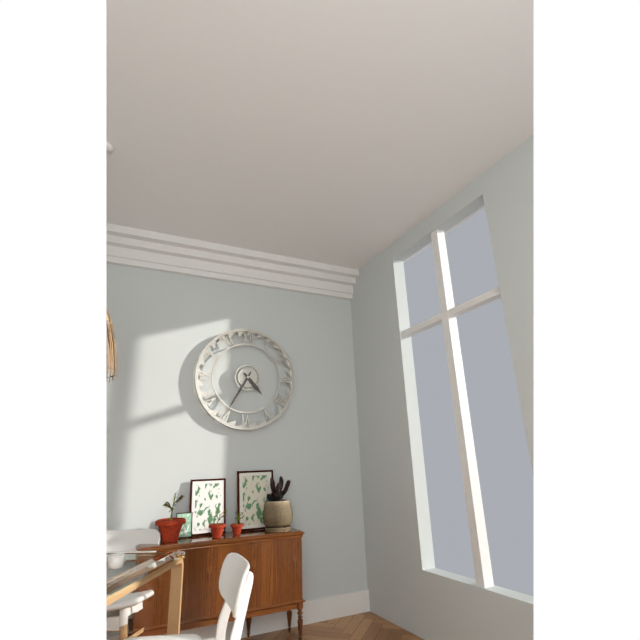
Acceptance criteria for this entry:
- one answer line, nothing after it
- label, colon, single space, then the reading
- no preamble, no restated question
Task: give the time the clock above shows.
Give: 4:35
